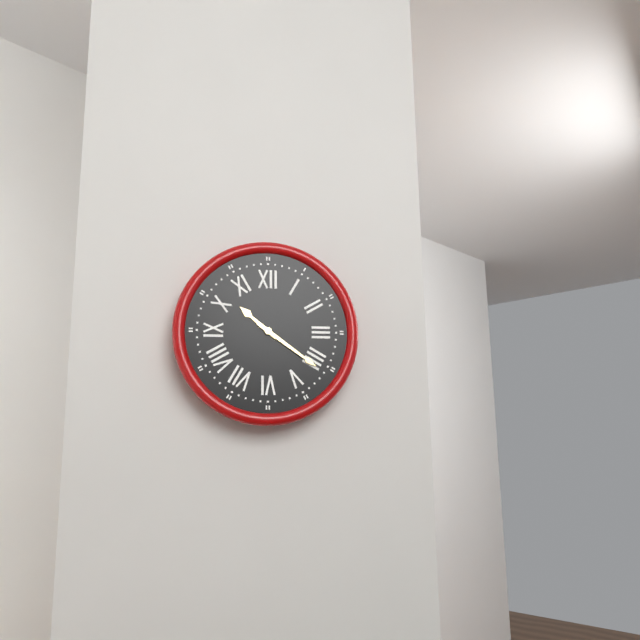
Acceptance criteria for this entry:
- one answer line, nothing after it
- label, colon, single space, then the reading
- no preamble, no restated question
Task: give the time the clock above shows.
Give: 10:21
